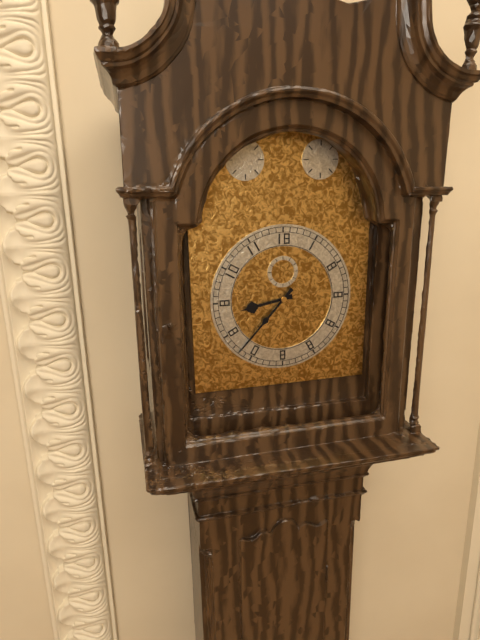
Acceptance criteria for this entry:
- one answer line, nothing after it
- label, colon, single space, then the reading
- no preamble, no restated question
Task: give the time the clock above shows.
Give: 8:37
